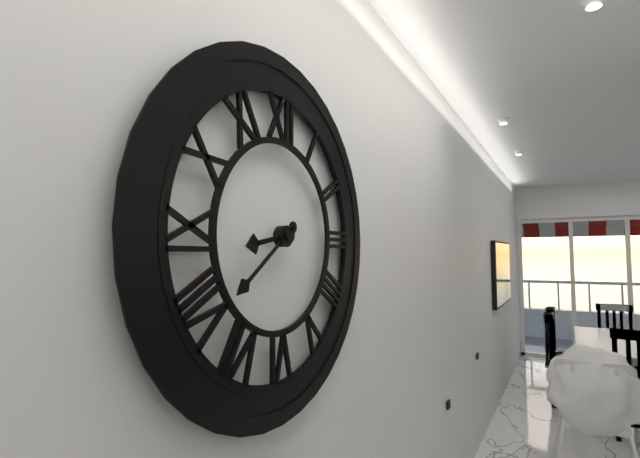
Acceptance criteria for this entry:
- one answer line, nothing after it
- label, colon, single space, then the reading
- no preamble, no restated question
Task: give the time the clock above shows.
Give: 8:39
